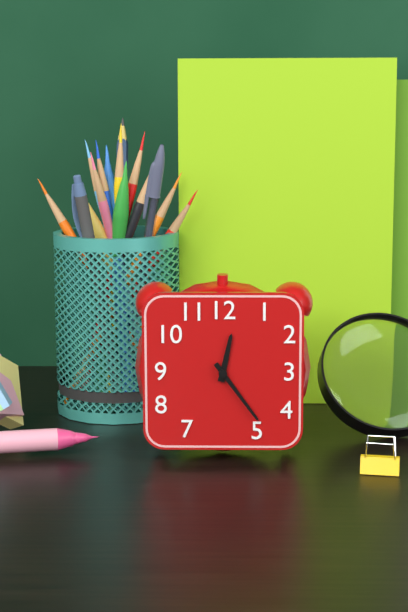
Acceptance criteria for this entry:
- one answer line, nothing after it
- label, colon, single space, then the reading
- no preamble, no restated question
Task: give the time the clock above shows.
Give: 12:24
